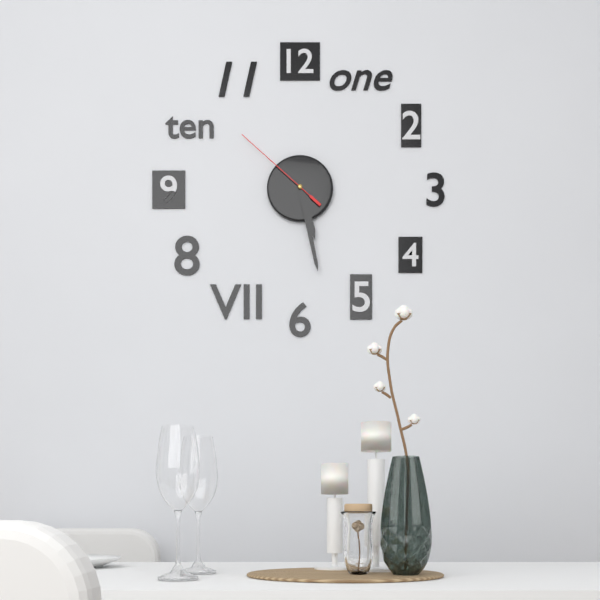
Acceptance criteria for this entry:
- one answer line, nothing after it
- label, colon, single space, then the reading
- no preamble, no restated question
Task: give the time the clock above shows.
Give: 5:28:52
